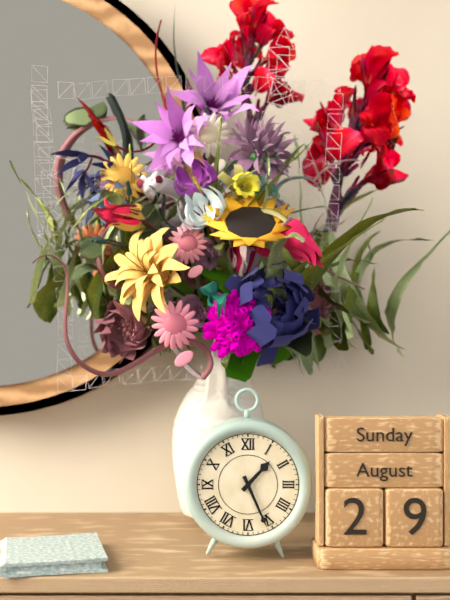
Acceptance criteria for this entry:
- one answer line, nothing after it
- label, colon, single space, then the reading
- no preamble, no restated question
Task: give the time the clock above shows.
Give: 1:26
